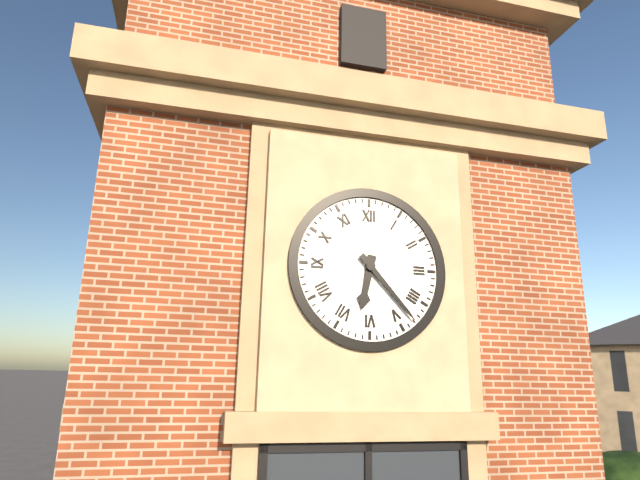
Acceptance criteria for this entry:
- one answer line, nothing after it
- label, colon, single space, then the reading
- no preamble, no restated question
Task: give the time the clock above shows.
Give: 6:23
